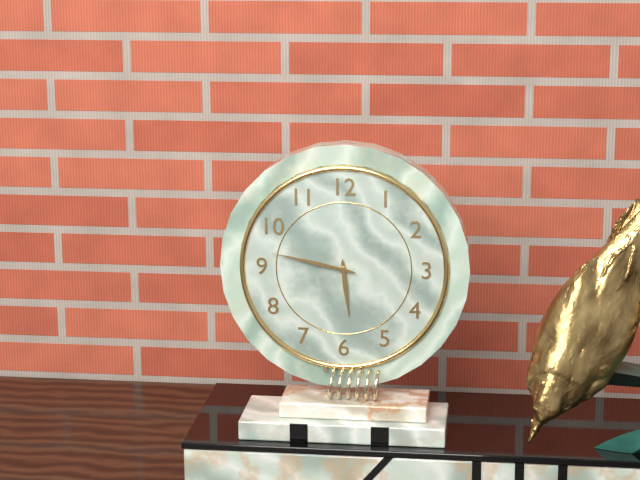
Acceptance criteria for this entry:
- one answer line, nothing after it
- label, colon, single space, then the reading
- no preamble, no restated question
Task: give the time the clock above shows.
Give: 5:47
